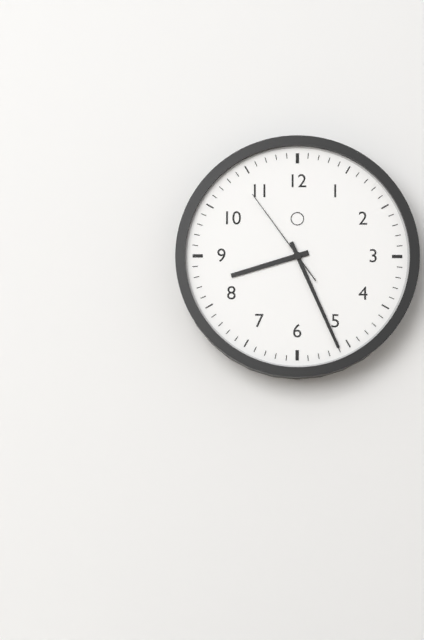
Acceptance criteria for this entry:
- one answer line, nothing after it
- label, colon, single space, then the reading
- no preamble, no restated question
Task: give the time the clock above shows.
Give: 8:26:54
